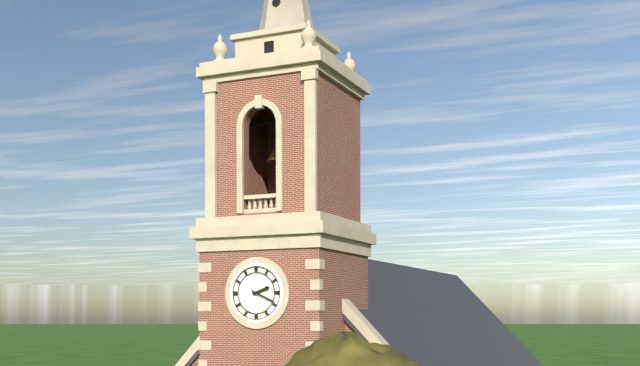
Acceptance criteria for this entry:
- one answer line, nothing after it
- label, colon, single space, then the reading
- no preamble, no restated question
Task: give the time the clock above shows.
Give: 2:19
